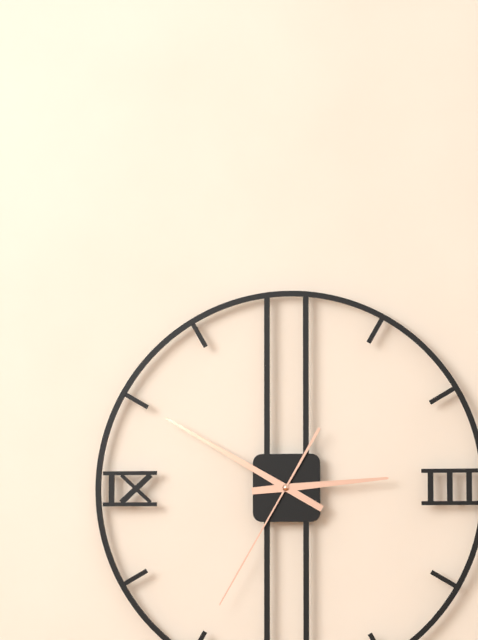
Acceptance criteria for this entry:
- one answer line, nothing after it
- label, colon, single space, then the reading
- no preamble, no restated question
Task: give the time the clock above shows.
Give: 2:50:35
